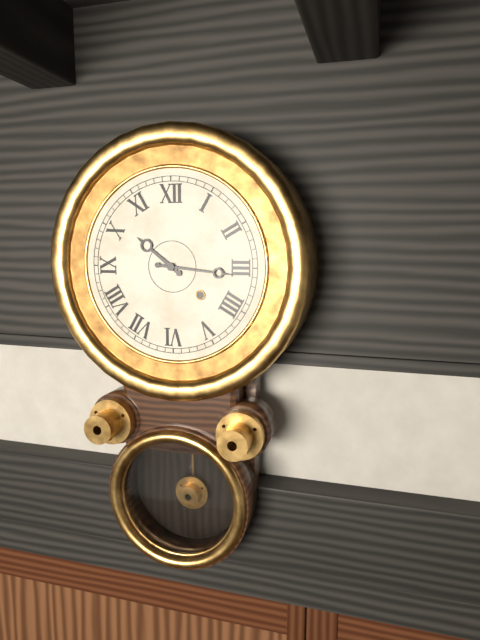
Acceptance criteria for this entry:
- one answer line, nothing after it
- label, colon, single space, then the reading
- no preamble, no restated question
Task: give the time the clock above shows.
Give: 10:16
